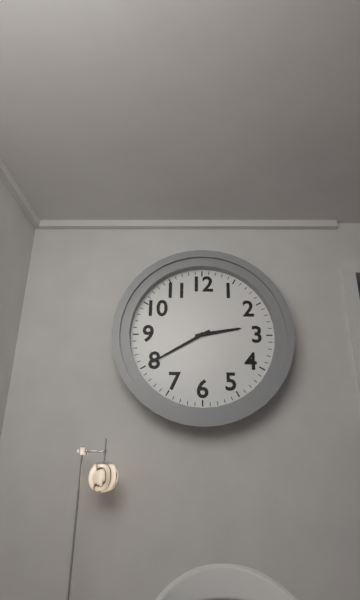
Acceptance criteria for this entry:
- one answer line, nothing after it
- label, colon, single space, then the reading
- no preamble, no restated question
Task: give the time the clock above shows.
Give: 2:40
